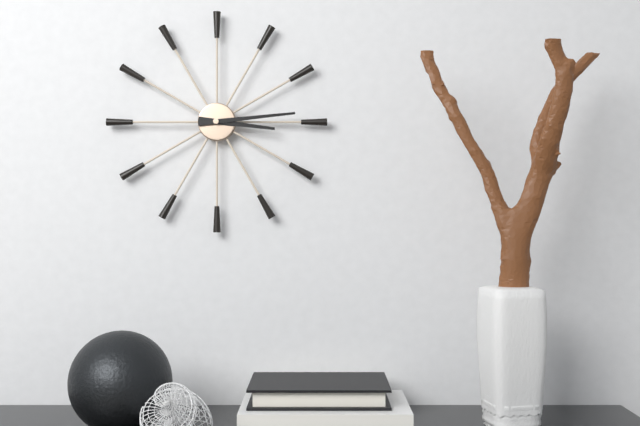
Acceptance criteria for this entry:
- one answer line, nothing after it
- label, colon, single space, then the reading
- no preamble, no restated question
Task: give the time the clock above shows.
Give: 3:14
